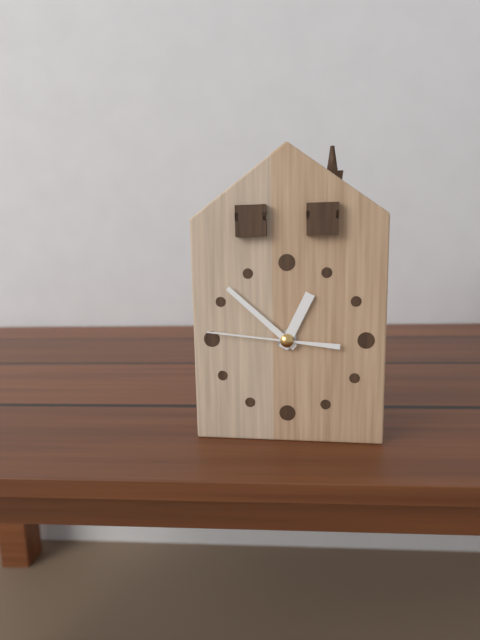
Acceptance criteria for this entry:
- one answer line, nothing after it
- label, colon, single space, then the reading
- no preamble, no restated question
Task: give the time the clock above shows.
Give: 12:52:46
